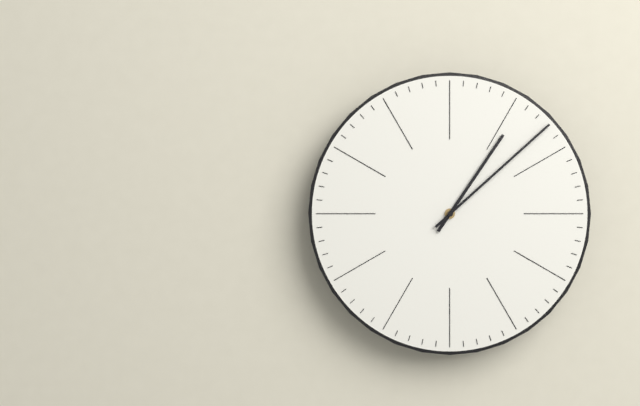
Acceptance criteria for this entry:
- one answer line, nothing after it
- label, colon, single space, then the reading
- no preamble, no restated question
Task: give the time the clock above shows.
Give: 1:08
